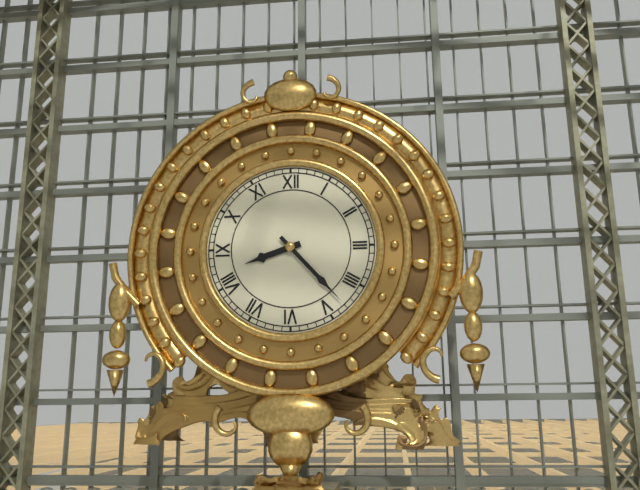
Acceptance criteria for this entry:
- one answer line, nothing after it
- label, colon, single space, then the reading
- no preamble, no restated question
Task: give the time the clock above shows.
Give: 8:23
